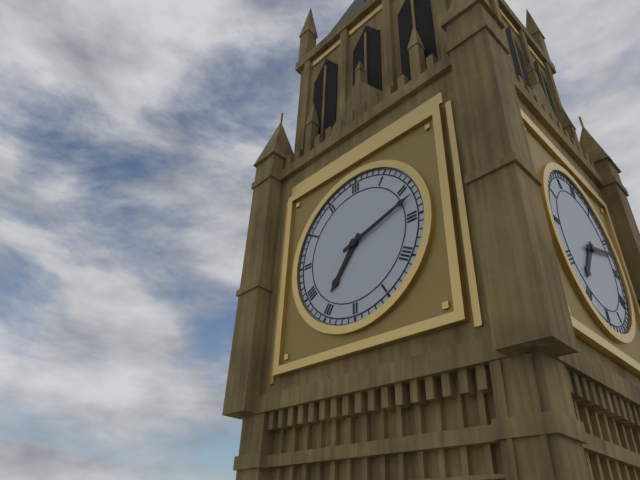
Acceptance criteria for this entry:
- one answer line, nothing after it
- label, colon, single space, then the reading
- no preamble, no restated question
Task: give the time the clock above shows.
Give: 7:12
